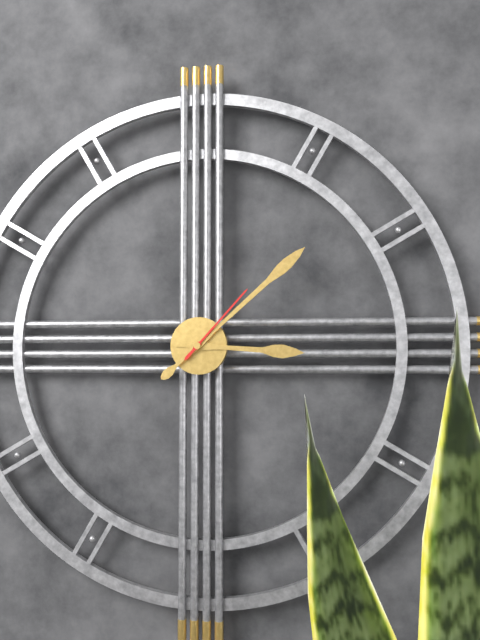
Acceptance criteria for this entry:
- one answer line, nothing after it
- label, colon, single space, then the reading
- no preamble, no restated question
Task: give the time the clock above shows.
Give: 3:08:07
